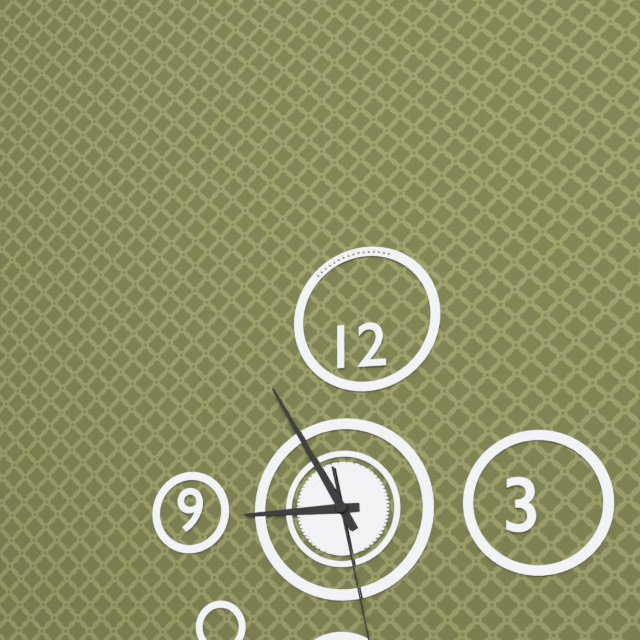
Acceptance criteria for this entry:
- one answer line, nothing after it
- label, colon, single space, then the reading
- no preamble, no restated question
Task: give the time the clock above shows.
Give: 8:55
